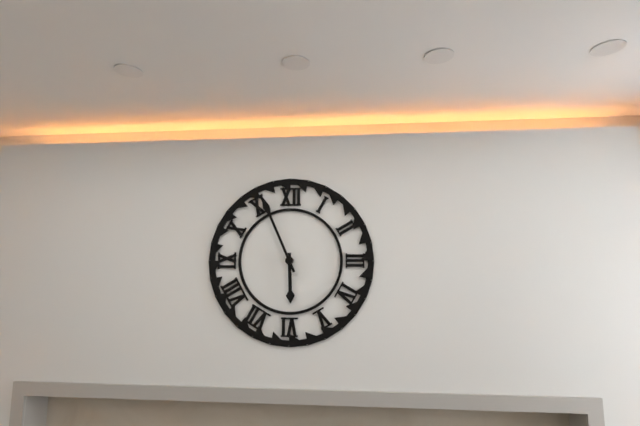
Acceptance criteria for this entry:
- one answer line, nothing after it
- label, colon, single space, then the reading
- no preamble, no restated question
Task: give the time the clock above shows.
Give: 5:56
